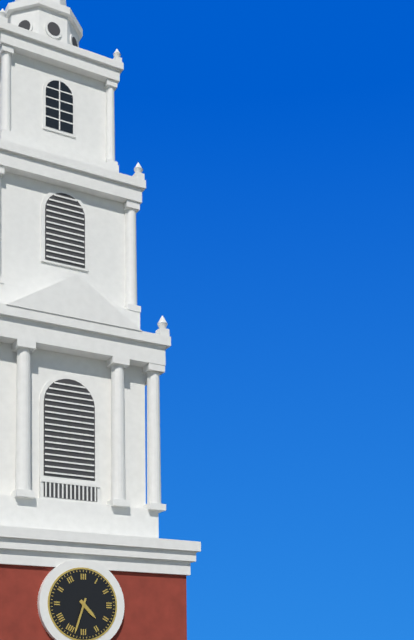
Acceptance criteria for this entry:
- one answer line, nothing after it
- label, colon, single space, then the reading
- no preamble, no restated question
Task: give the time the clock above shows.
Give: 4:33
